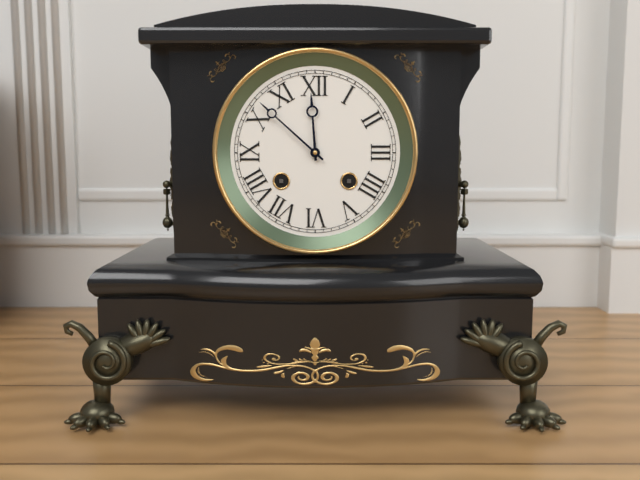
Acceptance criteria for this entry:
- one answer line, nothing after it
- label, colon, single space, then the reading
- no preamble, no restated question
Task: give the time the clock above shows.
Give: 11:52
